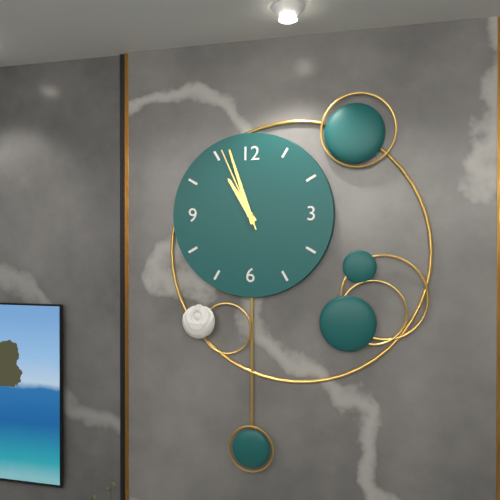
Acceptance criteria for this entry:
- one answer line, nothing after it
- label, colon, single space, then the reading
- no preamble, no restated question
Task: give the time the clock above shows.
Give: 10:57:56
